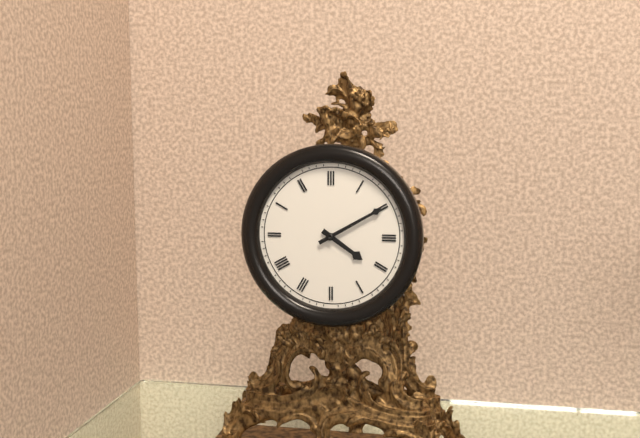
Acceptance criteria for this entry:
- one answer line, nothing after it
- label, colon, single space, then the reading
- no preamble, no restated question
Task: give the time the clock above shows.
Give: 4:10
